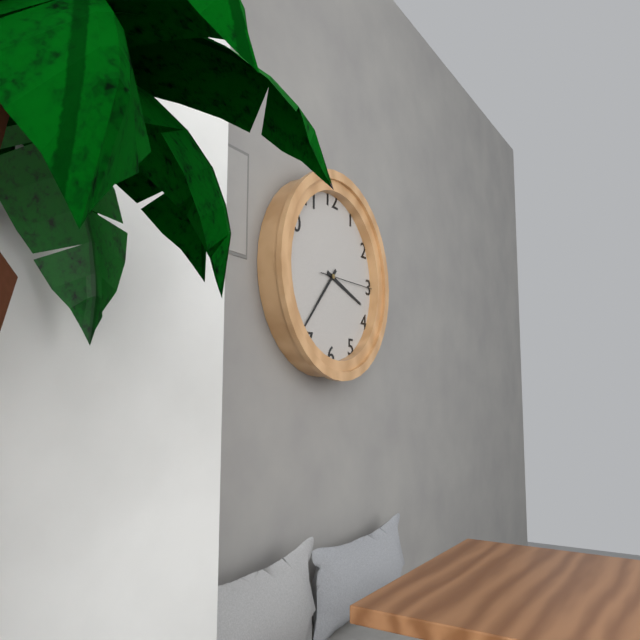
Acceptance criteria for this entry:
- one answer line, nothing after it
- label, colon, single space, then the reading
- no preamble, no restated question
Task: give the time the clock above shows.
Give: 3:37:15
